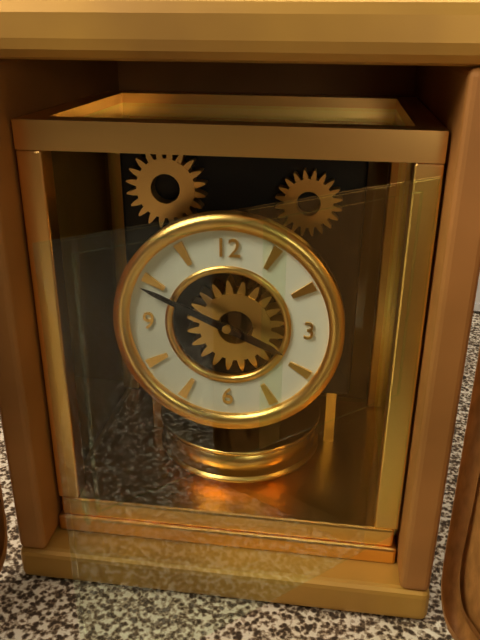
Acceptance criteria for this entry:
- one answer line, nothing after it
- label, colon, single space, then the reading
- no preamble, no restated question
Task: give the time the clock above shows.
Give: 3:49
